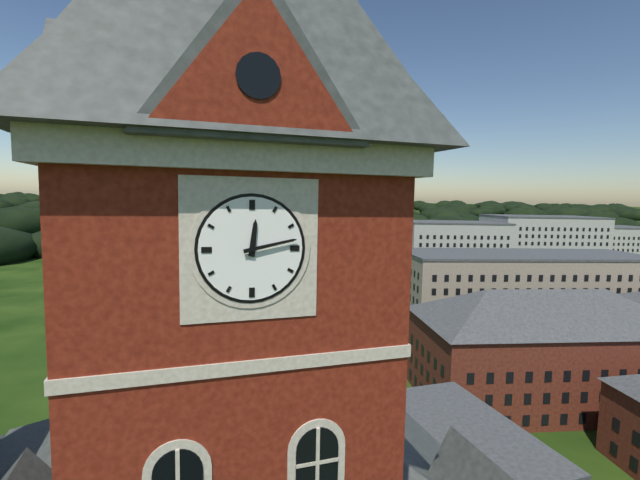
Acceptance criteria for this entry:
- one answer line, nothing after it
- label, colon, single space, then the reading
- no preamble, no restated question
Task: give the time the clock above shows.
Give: 12:13
